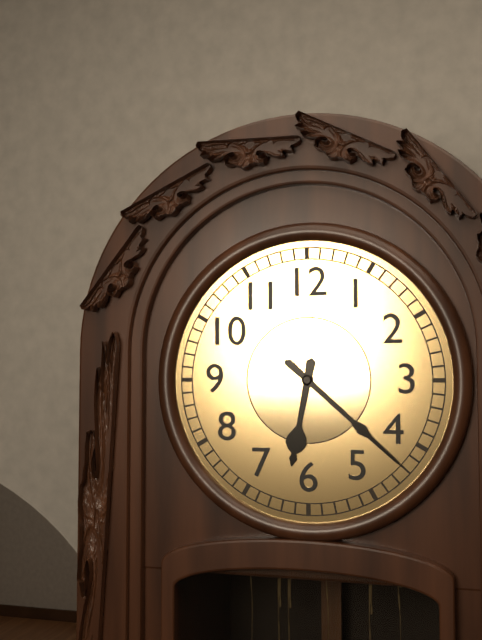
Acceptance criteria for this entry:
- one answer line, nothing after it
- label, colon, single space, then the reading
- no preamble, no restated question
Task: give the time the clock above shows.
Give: 6:22
